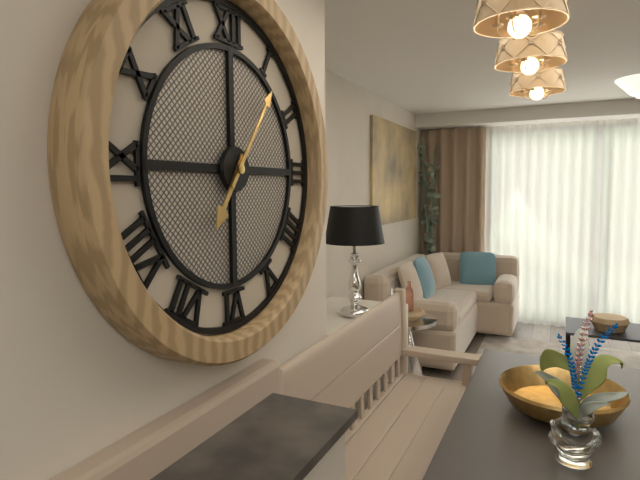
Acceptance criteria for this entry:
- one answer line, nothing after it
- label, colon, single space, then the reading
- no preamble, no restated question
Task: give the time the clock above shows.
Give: 7:06
